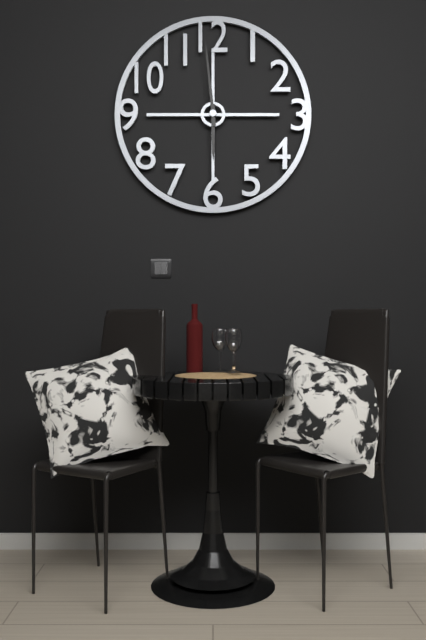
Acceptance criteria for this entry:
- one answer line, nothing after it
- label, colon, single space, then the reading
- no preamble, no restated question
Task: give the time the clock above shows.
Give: 5:59
